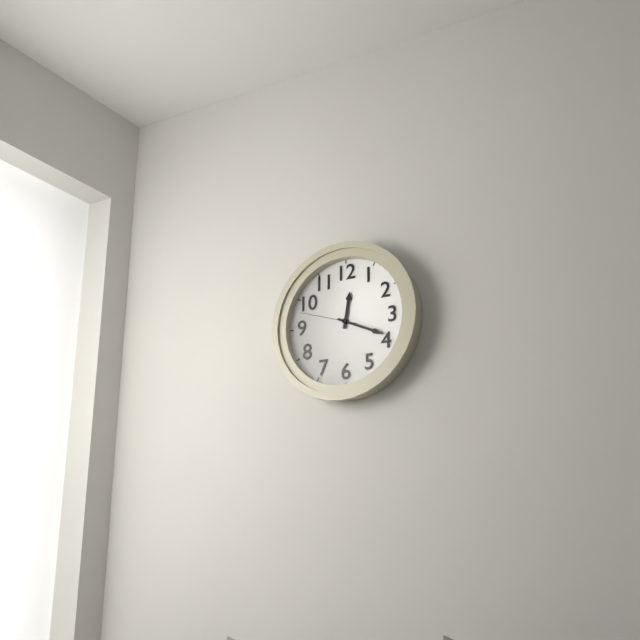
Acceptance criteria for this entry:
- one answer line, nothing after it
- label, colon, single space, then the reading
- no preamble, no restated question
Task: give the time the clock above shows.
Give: 12:19:48
